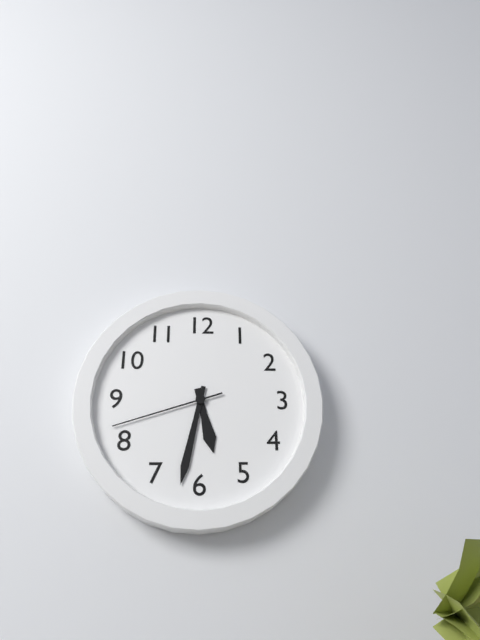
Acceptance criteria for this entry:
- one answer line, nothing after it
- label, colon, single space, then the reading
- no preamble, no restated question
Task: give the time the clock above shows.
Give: 5:32:42
